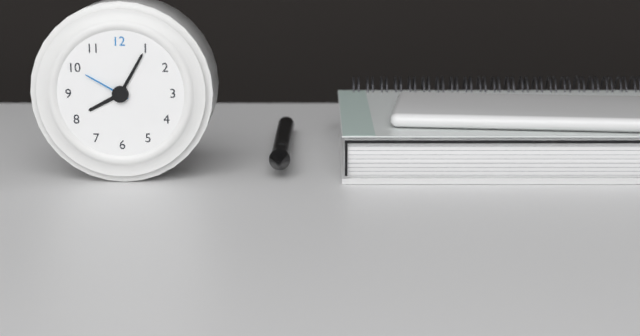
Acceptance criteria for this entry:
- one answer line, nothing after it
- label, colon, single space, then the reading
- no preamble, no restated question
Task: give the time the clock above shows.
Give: 8:05:50
